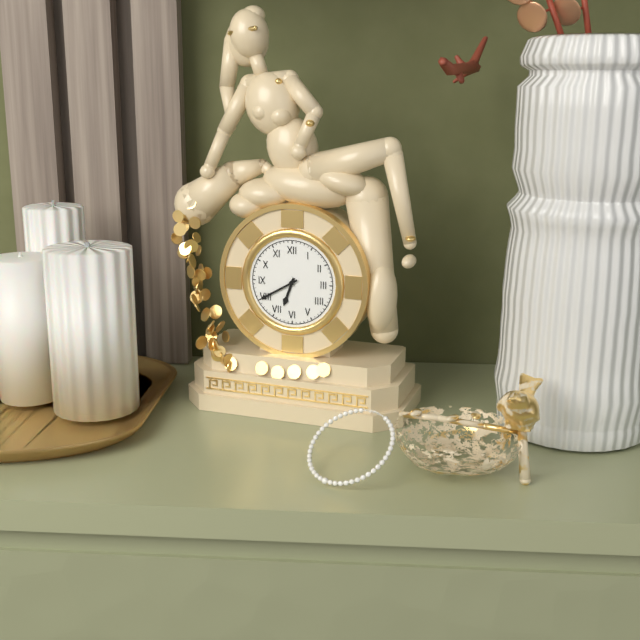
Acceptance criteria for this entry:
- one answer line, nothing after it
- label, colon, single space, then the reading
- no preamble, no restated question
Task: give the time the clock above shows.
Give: 6:40
